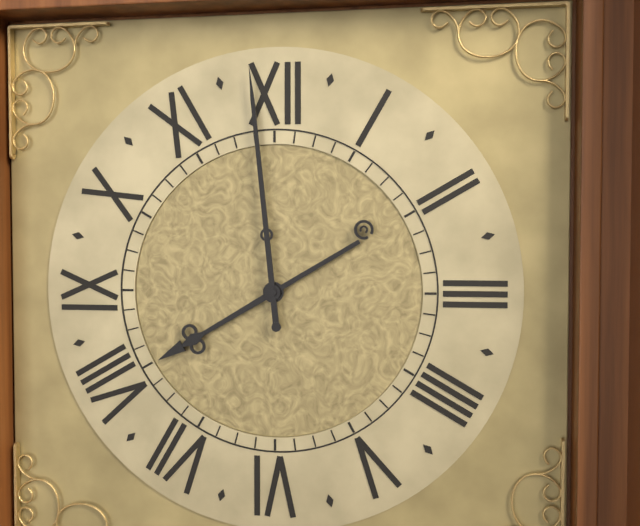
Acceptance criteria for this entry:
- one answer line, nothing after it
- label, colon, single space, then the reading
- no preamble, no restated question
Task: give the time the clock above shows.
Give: 7:59
